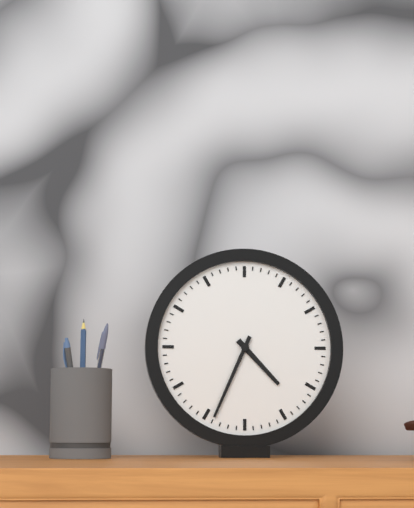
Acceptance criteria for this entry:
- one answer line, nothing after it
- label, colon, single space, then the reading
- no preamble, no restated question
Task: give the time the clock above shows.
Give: 4:34
